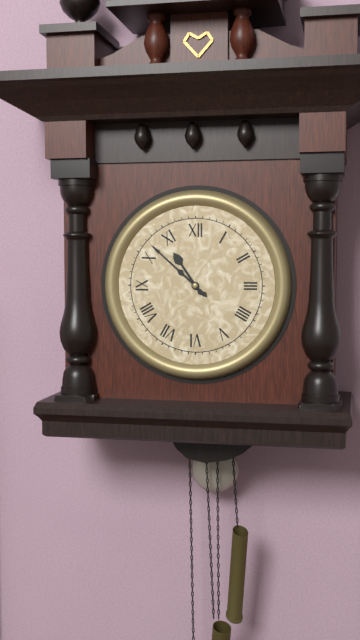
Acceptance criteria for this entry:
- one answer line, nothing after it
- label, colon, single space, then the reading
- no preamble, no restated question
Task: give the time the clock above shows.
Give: 10:52
